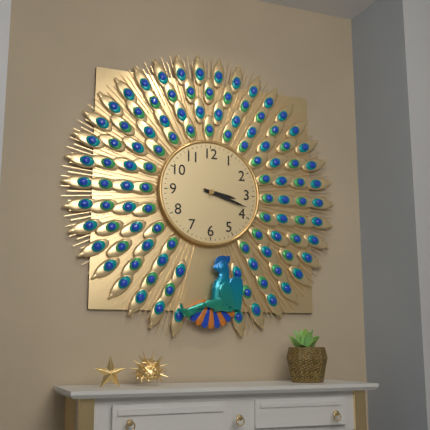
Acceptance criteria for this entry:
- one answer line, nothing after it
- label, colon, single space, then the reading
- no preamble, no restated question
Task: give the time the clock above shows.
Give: 3:18
